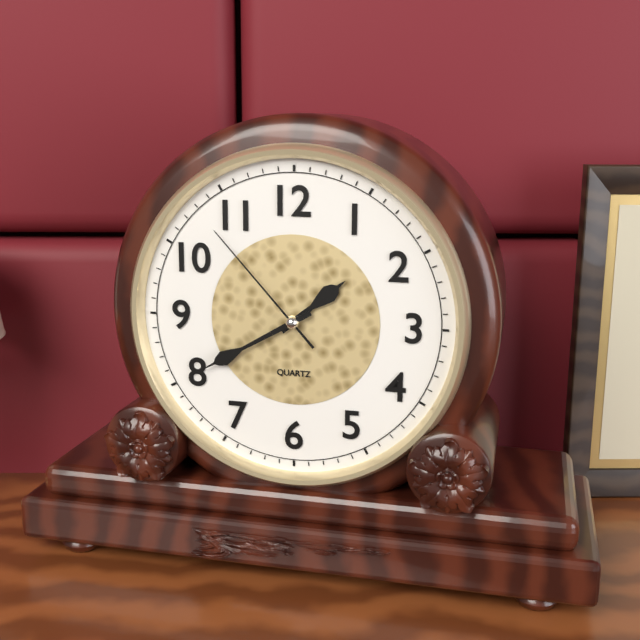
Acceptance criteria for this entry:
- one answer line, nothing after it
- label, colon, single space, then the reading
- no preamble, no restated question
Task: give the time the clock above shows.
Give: 1:40:53
